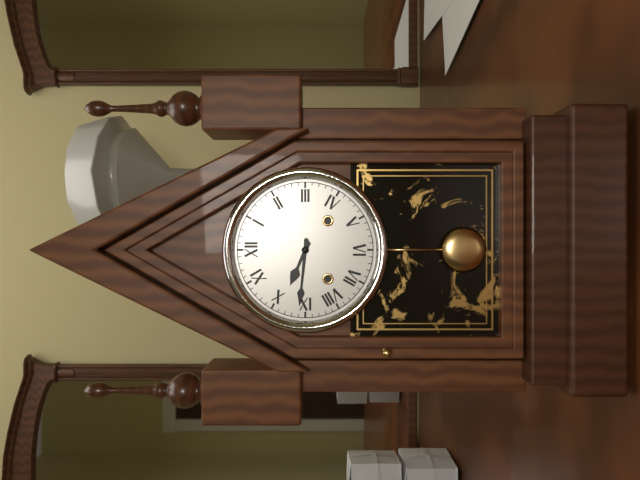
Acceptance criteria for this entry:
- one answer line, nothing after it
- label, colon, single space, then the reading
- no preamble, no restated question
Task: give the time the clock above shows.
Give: 9:46
